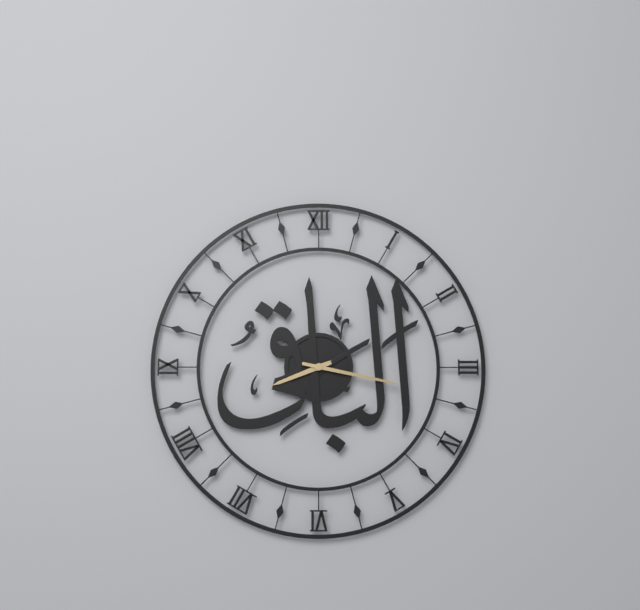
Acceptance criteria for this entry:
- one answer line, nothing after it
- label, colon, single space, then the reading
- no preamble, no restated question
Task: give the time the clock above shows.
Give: 8:17
